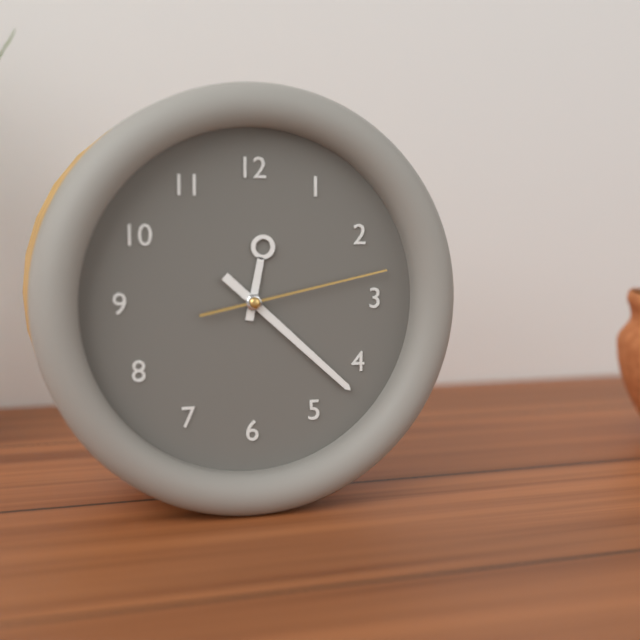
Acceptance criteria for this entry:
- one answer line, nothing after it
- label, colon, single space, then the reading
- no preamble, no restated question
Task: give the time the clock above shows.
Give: 12:22:13
